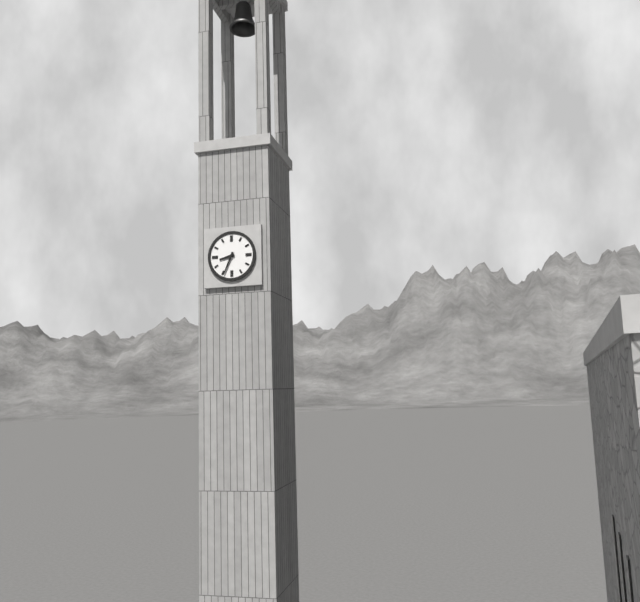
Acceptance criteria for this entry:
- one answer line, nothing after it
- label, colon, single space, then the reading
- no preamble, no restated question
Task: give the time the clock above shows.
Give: 8:34
